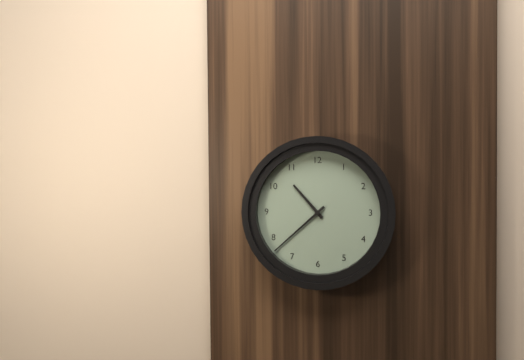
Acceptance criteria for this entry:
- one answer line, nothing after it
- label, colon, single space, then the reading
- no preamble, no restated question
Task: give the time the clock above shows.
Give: 10:38
